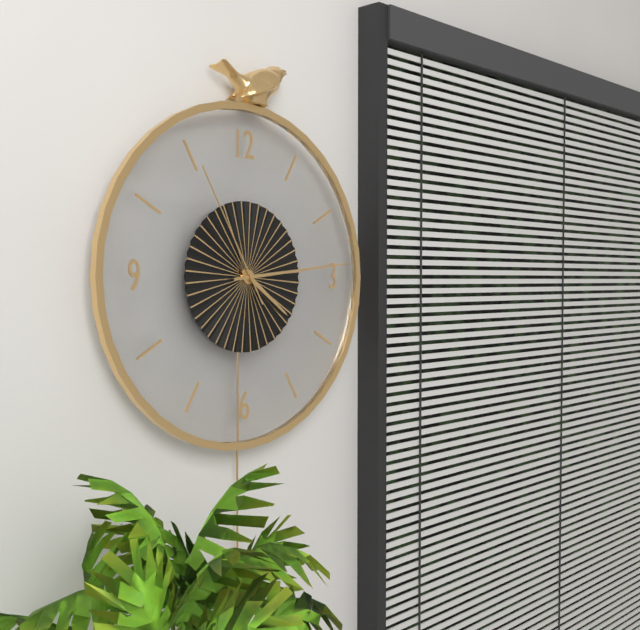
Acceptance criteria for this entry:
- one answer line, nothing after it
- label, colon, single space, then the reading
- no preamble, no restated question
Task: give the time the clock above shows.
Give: 4:14:55
